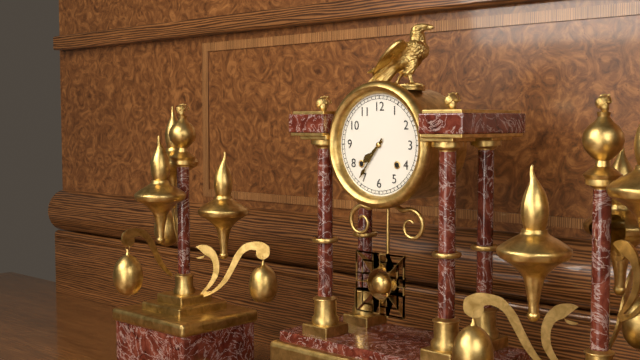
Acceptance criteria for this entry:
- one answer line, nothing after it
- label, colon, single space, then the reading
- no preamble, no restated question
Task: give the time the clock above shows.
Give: 7:36
